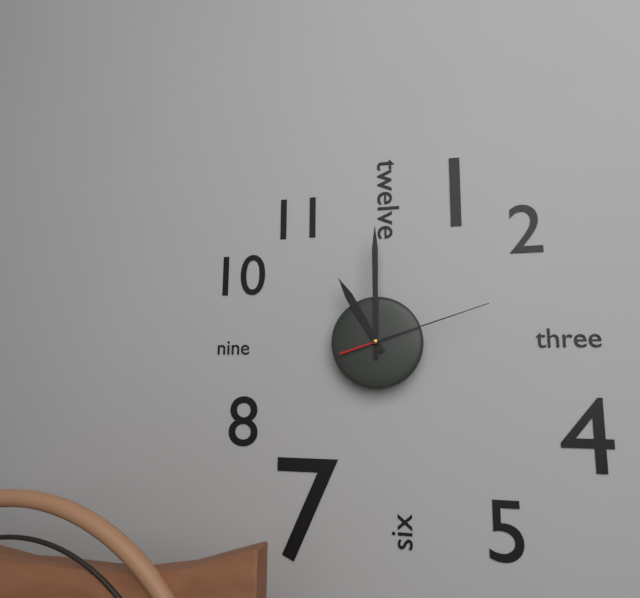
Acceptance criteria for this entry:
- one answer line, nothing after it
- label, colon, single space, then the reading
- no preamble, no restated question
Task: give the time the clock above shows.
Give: 11:00:12
